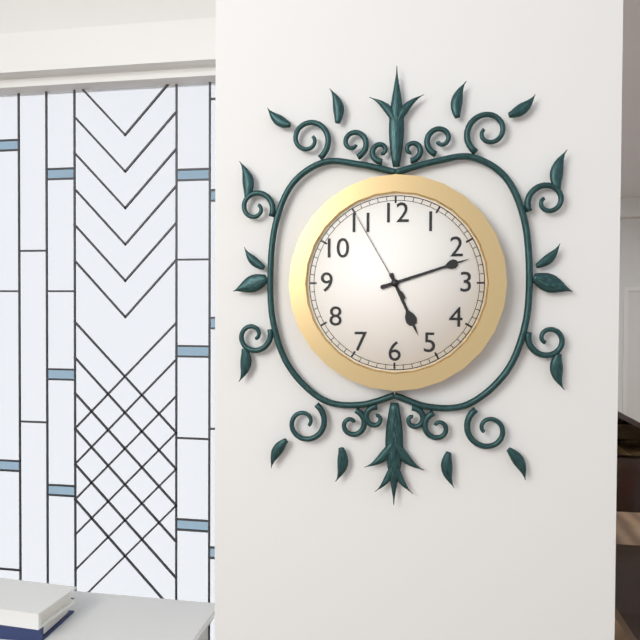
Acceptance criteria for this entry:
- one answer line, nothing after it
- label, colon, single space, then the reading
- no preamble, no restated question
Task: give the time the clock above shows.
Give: 5:12:55
